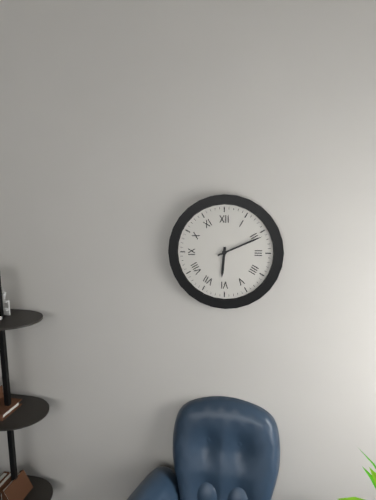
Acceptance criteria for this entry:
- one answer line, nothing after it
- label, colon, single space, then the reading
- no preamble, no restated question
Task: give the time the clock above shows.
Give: 6:11
